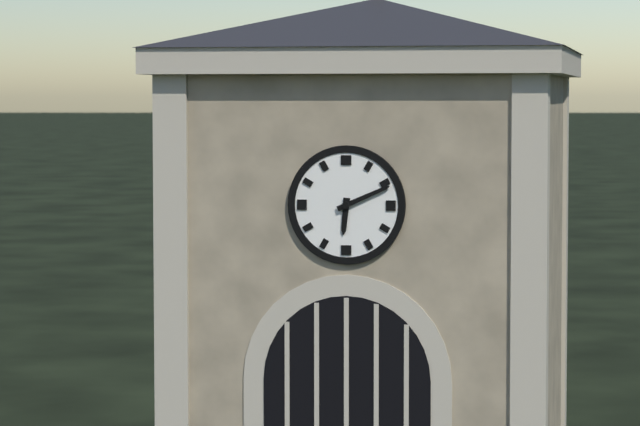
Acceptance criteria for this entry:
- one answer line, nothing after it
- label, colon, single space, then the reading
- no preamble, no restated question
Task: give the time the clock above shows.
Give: 6:11
